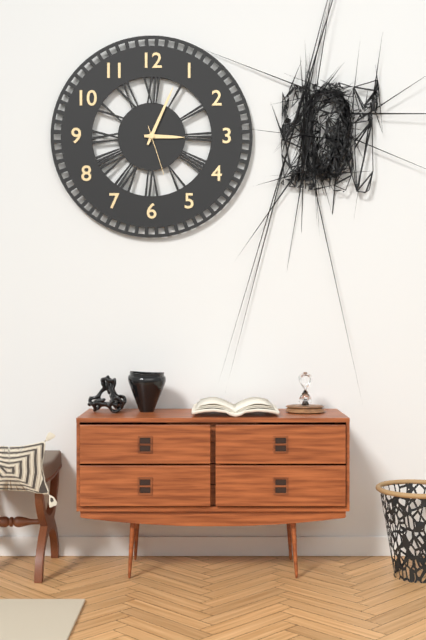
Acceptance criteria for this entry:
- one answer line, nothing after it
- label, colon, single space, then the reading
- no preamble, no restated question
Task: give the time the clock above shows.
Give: 3:04:27
